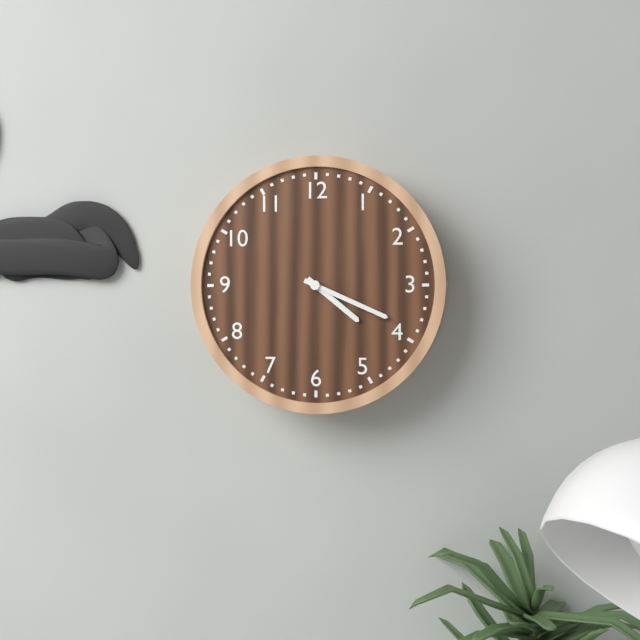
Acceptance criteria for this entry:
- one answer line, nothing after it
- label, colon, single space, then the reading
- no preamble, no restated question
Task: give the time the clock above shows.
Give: 4:19
